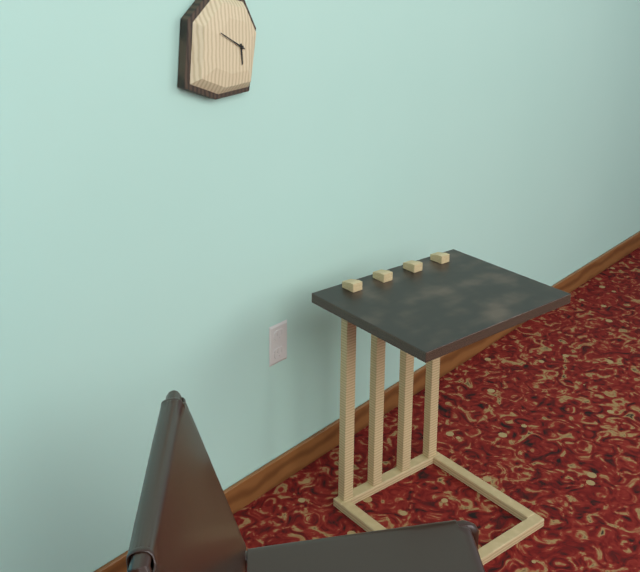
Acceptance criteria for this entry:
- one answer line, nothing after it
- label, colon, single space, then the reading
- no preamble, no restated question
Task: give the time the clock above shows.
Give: 5:50
